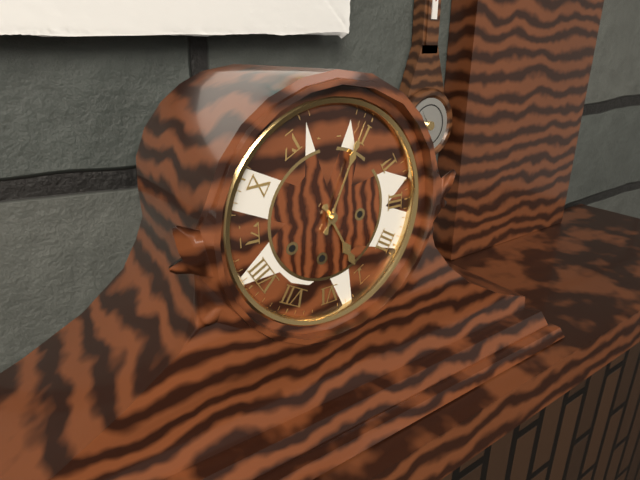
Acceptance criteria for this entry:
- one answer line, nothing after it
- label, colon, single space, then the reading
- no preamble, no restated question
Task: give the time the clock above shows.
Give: 5:04
